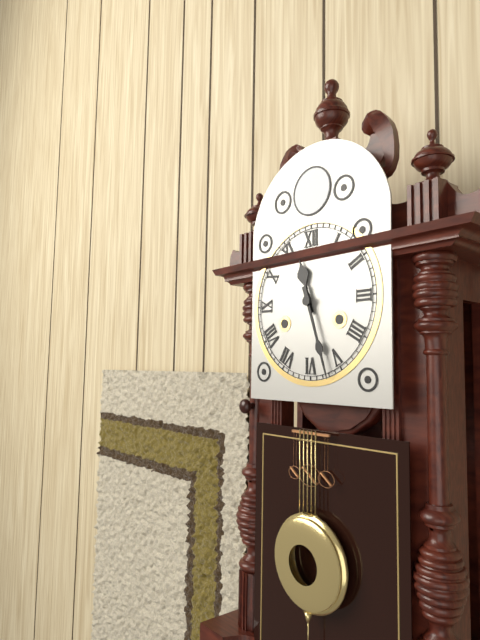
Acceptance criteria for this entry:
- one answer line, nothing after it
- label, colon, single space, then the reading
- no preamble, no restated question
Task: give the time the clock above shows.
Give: 11:27
